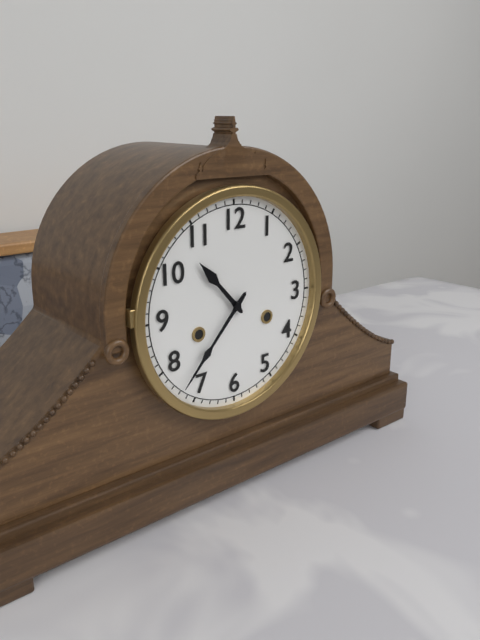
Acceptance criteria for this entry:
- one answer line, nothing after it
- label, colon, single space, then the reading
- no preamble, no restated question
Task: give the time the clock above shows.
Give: 10:37
